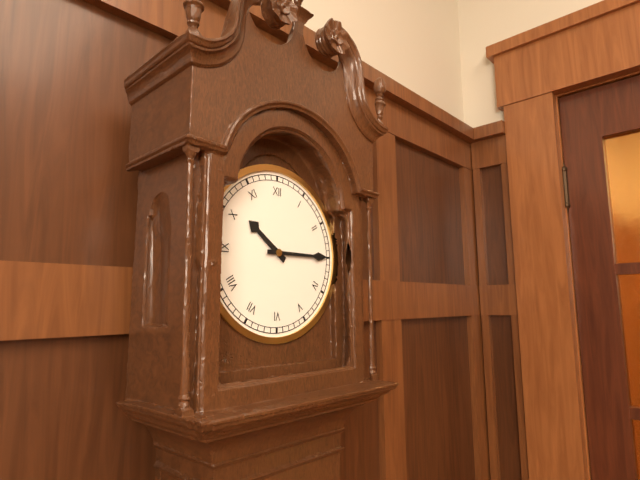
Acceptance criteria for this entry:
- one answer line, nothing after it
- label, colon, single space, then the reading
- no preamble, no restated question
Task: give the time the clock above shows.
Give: 10:15
